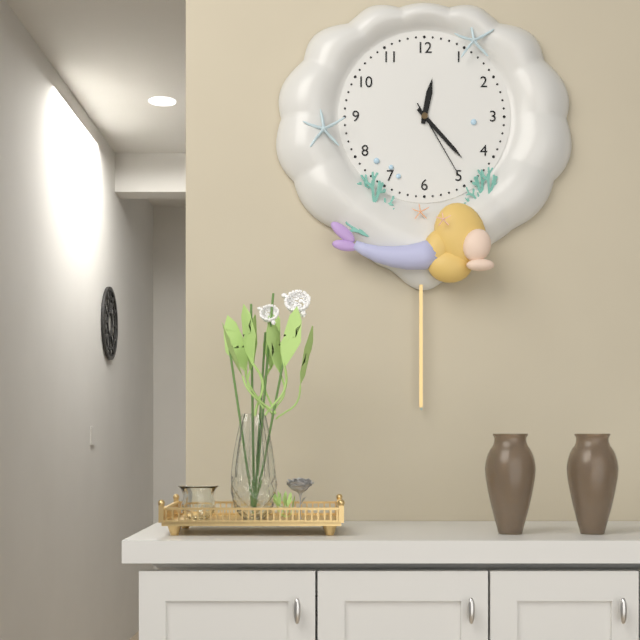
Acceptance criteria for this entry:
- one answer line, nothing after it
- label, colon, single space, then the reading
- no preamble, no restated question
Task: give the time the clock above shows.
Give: 12:23:25
